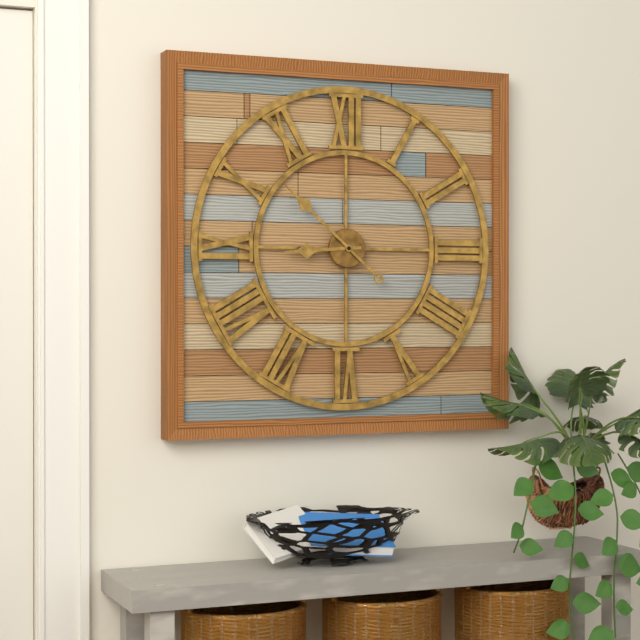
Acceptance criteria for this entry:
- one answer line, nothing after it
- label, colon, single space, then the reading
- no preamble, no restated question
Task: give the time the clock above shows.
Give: 8:52
